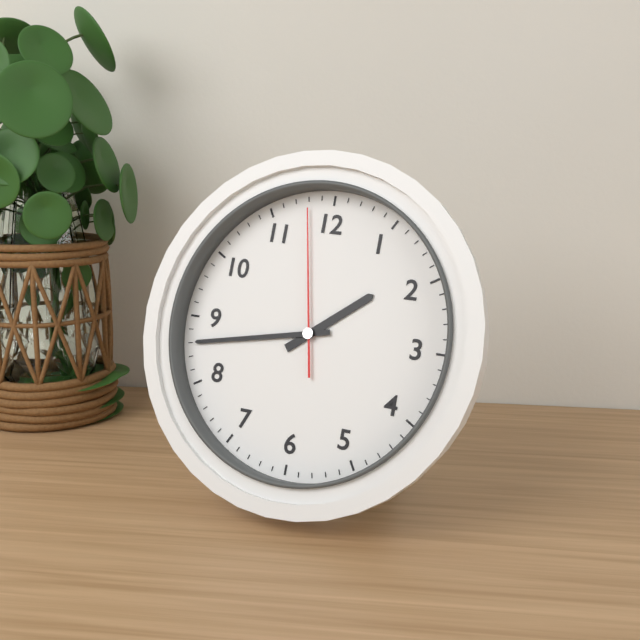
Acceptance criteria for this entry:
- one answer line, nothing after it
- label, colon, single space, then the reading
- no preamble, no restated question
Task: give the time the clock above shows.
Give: 1:43:58
